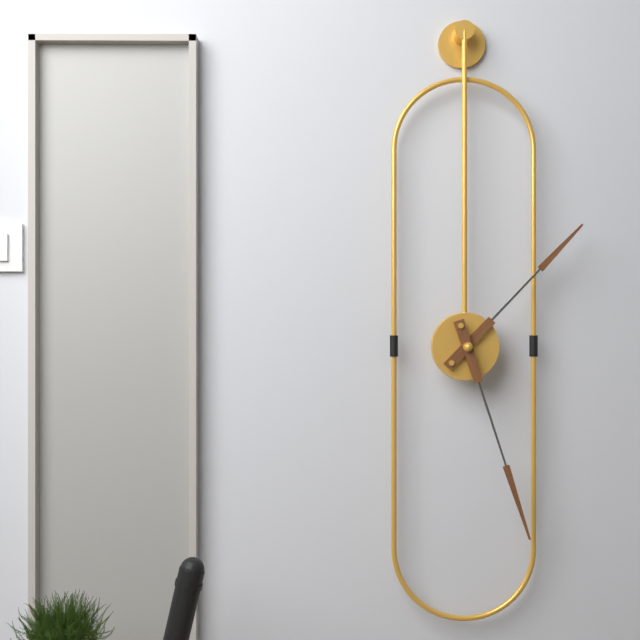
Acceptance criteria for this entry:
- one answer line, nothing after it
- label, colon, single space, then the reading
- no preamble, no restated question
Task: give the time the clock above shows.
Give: 1:27
